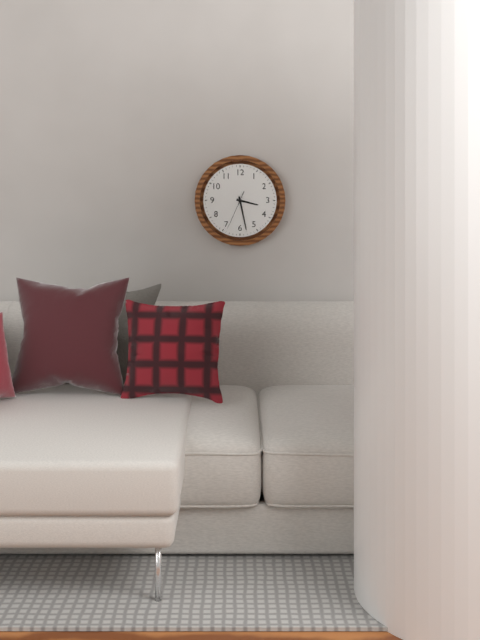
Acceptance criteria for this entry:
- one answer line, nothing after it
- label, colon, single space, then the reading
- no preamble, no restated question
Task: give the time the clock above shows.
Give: 3:28
